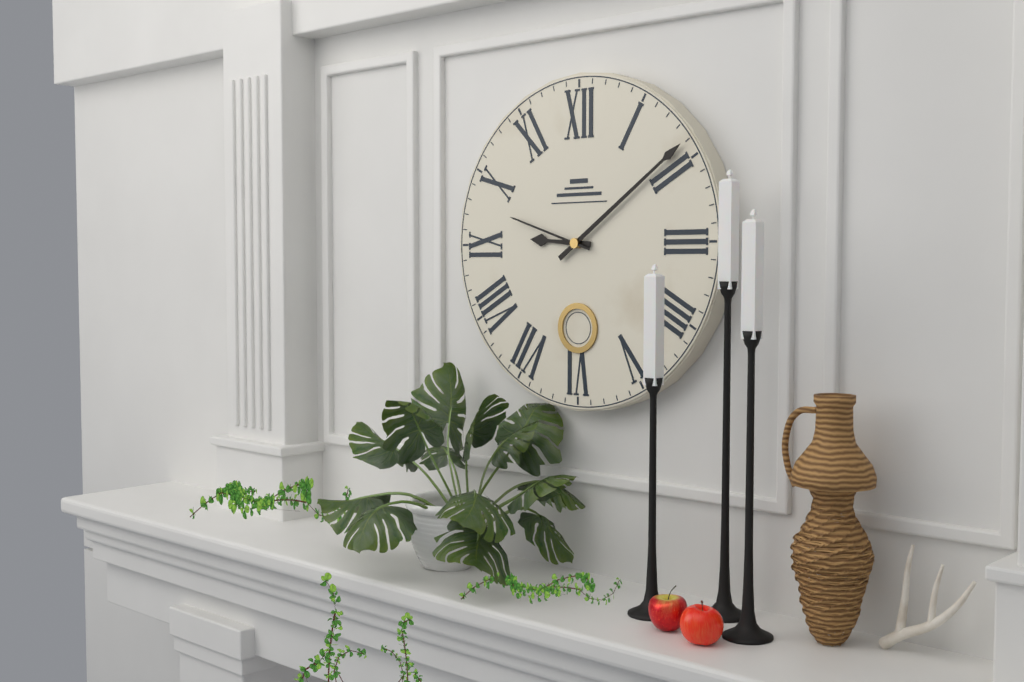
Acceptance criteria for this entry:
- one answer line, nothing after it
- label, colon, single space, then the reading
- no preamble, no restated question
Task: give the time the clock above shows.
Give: 9:09:48
